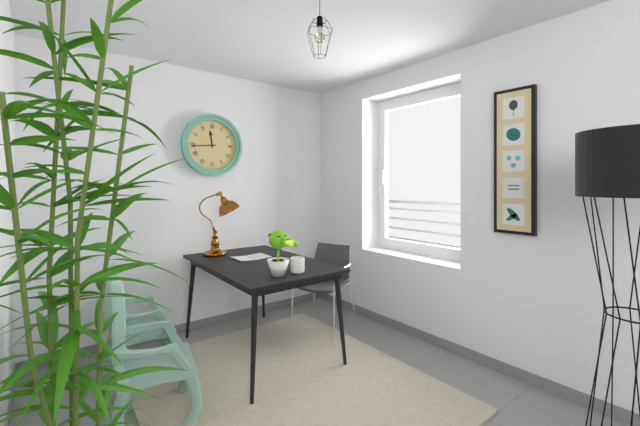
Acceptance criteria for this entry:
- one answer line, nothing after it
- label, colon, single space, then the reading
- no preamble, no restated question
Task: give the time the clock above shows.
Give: 11:44
